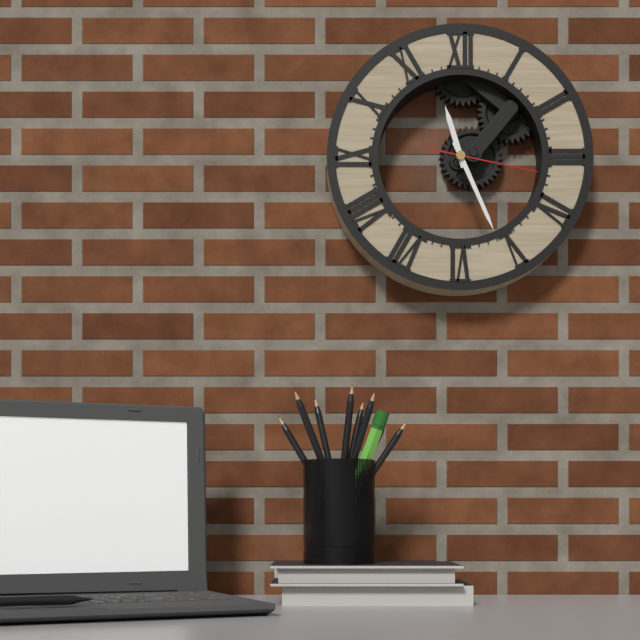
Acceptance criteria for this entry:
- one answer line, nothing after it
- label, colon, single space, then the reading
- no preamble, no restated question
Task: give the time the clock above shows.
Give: 11:26:17
